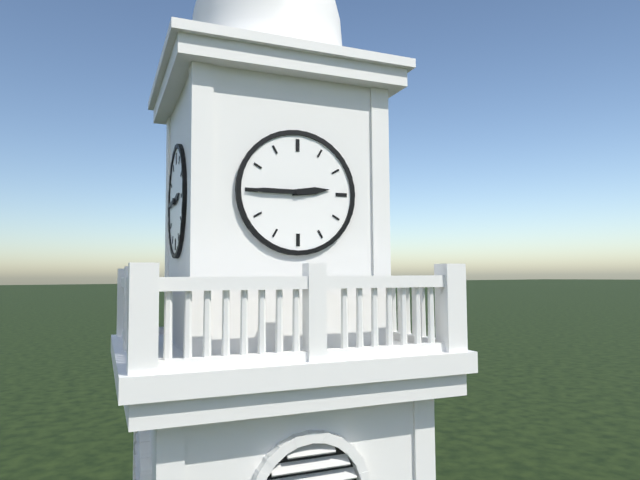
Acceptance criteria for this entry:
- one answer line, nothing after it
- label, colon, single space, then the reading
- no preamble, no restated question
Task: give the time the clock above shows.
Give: 2:45
